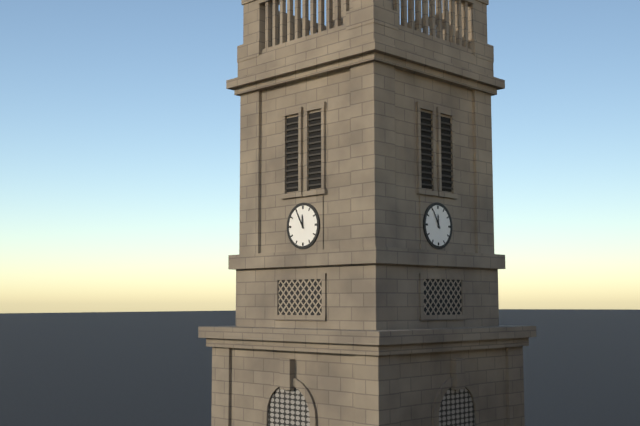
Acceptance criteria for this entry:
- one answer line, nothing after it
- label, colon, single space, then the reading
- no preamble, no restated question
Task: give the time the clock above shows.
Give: 11:55
